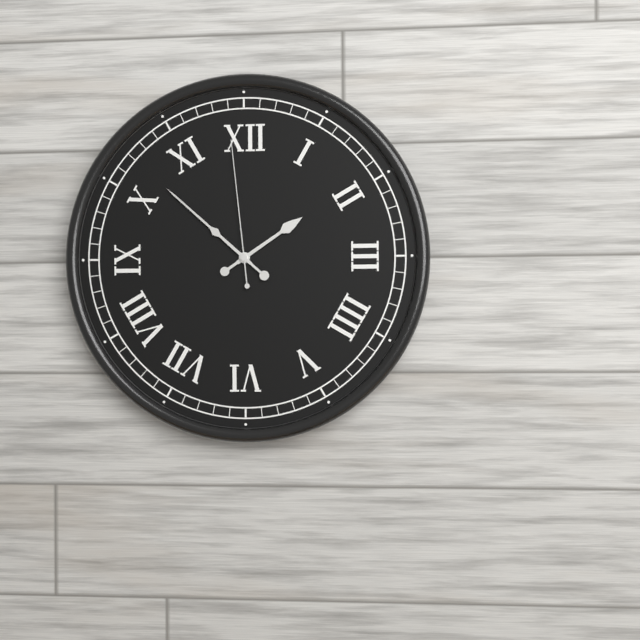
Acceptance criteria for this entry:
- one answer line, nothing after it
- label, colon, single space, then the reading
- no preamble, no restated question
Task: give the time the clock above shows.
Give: 1:52:59
